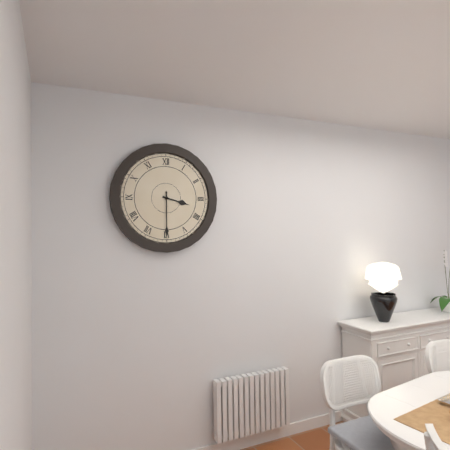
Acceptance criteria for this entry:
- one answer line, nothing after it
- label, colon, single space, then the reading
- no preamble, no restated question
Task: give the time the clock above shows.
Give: 3:30
